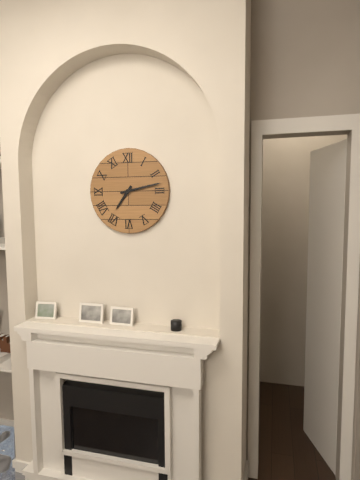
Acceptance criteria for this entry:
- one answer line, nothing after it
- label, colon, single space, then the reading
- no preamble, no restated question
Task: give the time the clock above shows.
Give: 7:13
